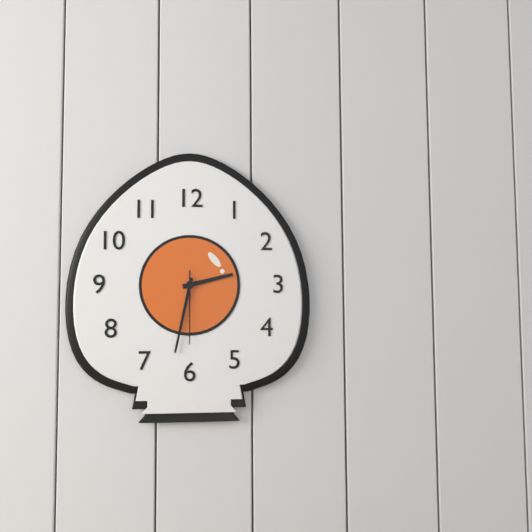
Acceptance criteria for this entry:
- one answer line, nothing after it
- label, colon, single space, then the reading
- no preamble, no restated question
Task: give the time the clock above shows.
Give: 2:32:30
